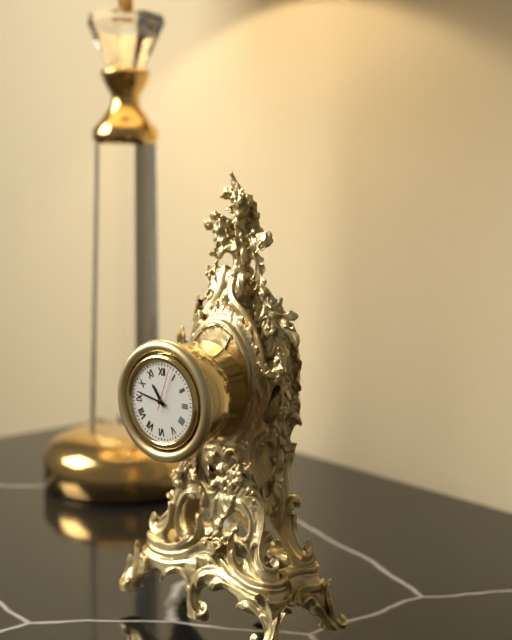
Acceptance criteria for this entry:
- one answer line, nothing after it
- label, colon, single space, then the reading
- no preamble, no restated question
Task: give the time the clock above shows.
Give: 10:47
